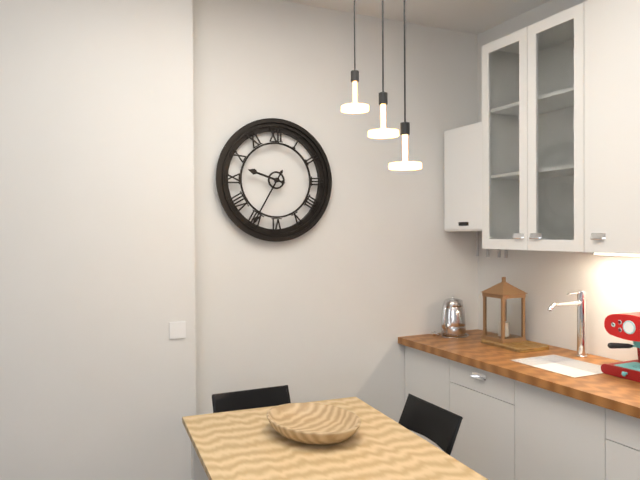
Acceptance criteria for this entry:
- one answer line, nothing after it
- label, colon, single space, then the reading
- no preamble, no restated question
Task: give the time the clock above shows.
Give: 9:35
